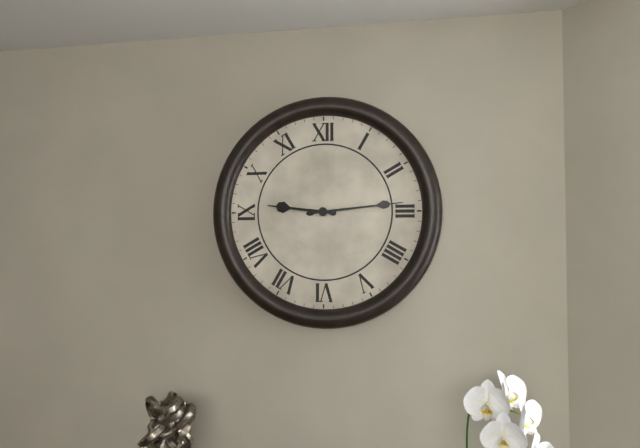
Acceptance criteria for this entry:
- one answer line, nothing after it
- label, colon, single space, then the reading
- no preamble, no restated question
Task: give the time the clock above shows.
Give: 9:14
